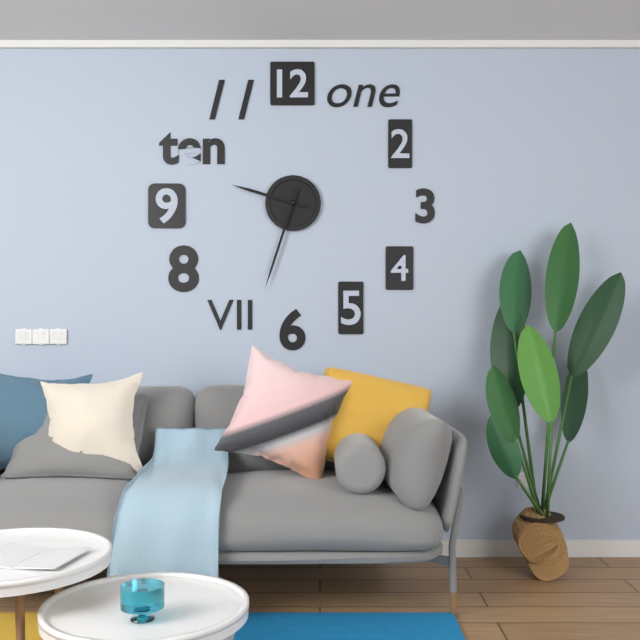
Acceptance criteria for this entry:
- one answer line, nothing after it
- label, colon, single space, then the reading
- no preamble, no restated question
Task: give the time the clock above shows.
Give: 9:33
